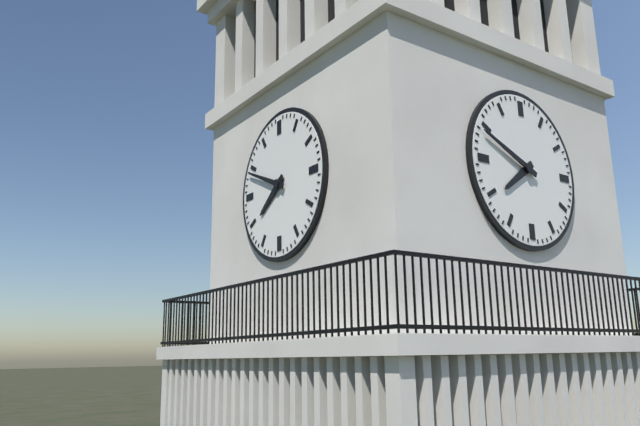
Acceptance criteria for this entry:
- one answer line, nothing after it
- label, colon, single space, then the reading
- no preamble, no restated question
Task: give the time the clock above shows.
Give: 7:49
